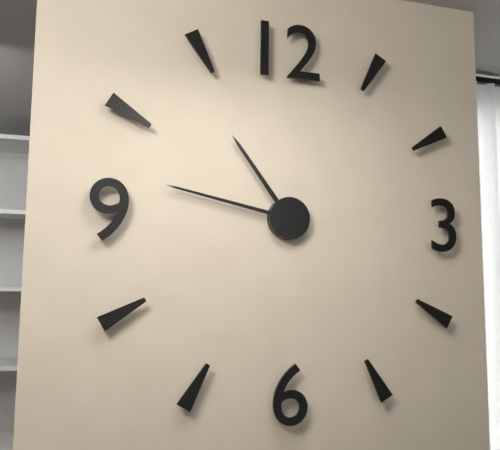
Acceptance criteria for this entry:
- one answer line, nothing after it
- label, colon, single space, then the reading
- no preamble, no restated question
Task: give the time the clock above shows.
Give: 10:47
